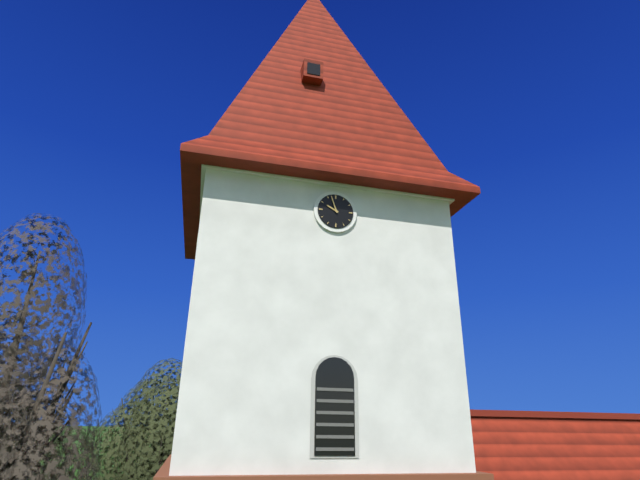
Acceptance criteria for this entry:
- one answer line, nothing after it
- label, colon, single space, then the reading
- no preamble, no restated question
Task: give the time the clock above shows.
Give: 9:57
